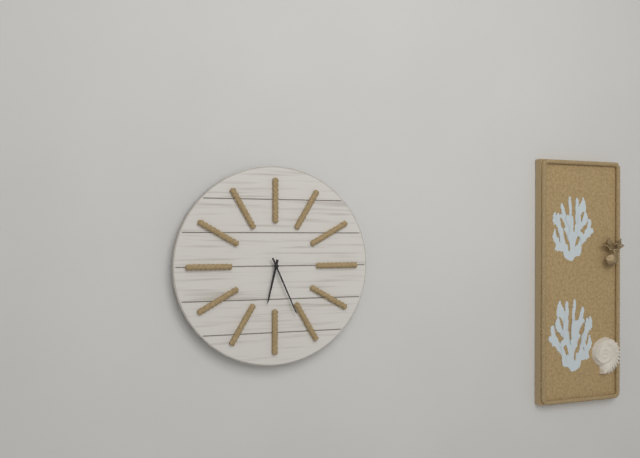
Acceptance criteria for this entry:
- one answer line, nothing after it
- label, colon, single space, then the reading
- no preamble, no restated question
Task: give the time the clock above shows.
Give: 6:26
